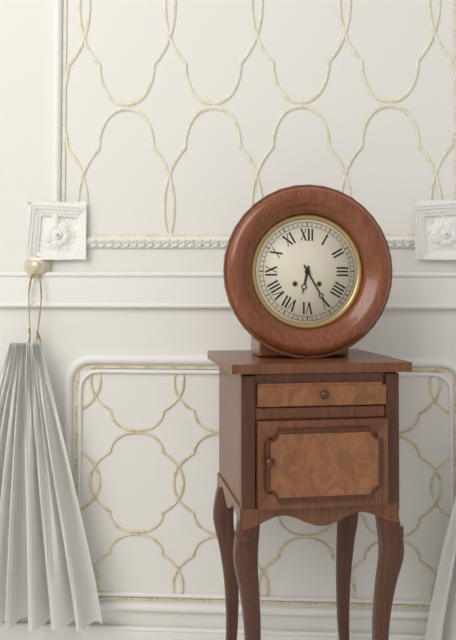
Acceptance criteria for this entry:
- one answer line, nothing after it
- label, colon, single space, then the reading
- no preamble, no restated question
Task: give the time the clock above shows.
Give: 6:25
